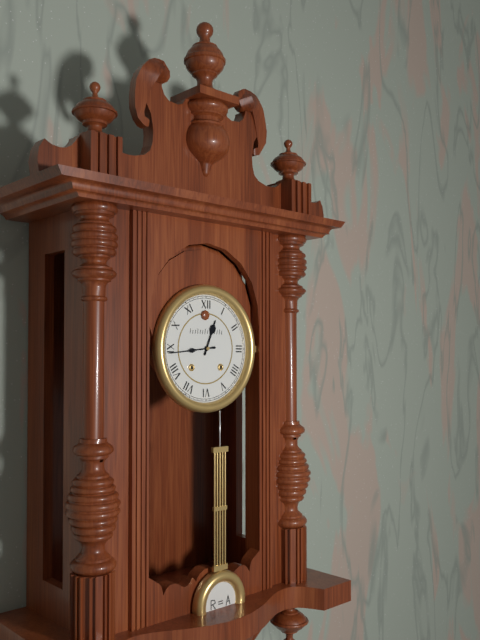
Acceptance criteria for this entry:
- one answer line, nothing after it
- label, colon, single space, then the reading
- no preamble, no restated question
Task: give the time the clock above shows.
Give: 12:44
